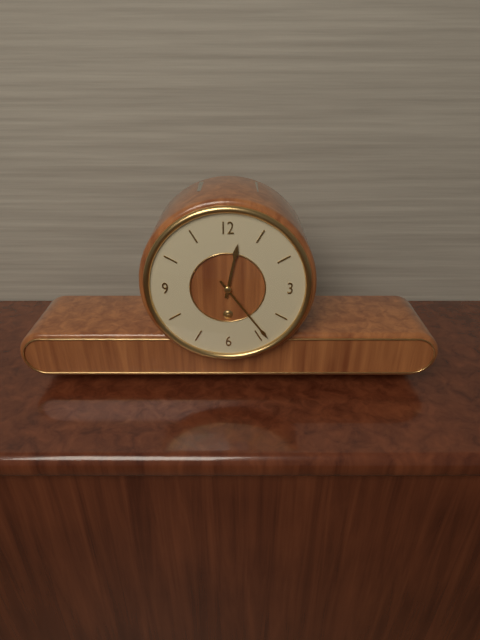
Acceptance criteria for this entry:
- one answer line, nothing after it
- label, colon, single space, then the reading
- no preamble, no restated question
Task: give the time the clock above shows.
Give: 12:24
